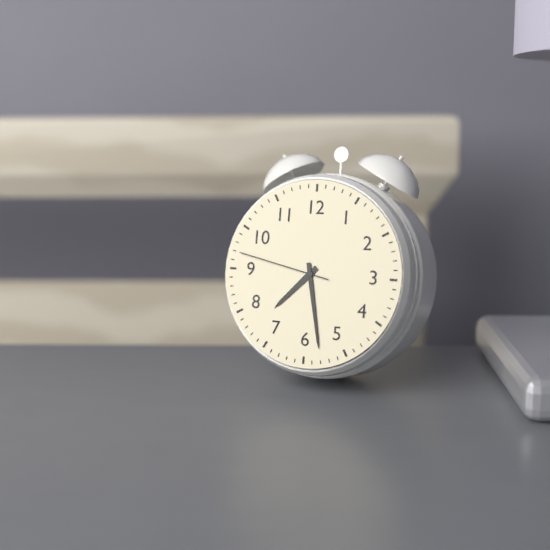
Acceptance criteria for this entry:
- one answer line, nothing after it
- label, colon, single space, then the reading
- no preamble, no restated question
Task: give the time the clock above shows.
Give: 7:28:47
